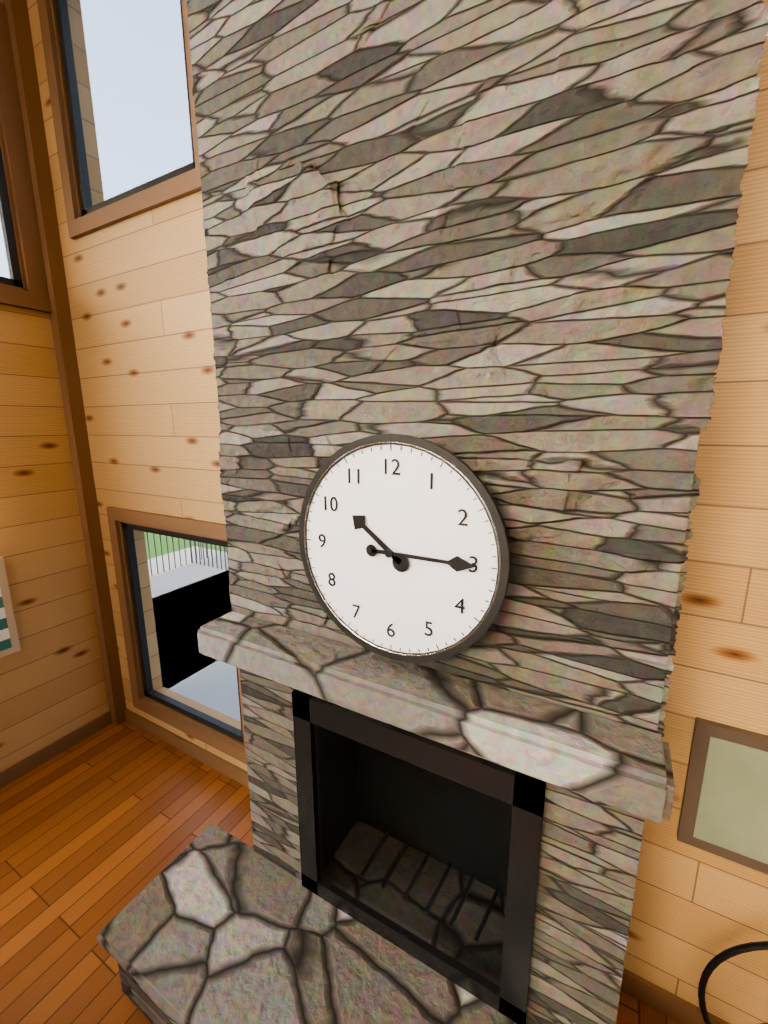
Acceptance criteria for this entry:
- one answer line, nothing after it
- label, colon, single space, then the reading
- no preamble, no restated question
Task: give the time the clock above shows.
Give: 10:15
